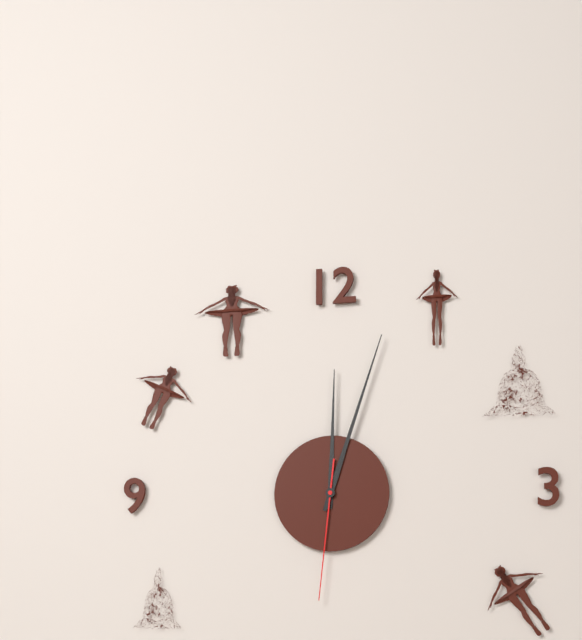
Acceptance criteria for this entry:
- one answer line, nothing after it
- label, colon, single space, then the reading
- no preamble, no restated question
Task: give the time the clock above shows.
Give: 12:03:31
